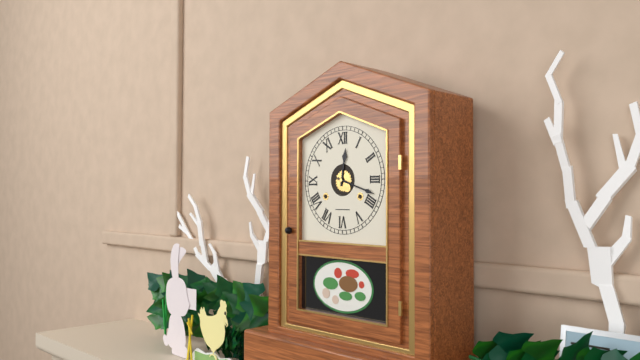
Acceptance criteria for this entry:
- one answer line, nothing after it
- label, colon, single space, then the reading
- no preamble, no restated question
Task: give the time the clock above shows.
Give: 12:18
